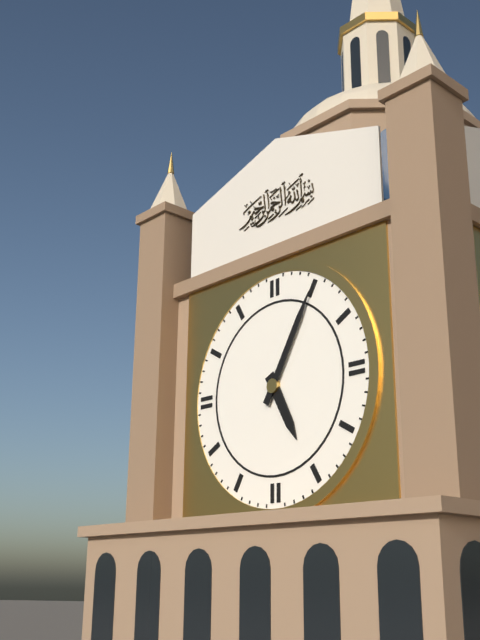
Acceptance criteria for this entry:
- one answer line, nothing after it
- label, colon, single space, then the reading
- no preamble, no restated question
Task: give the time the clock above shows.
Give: 5:05
